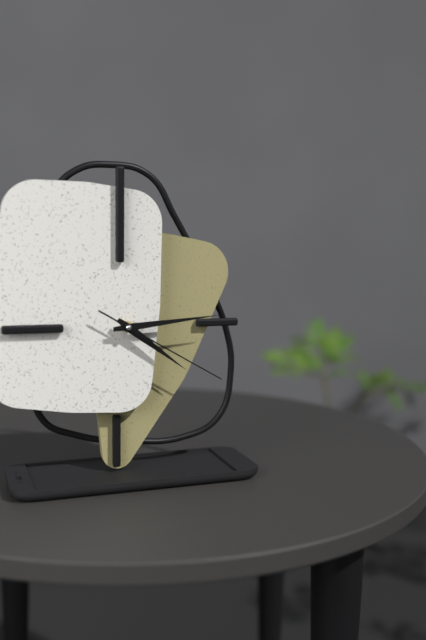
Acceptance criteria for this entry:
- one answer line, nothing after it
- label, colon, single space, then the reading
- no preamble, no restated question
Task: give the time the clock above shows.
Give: 4:14:20
